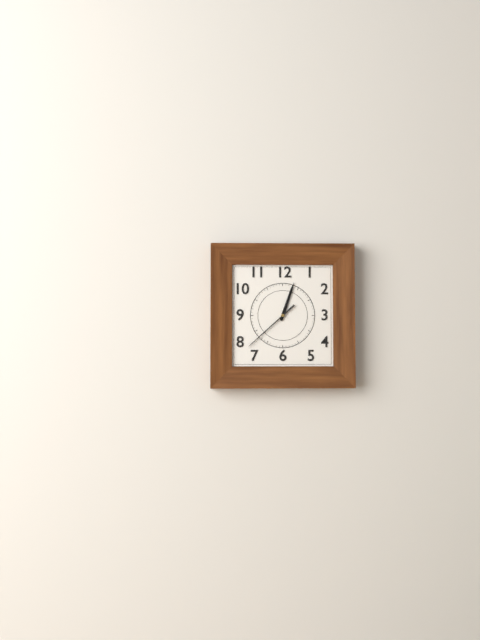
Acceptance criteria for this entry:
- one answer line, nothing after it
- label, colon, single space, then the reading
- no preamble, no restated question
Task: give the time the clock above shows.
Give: 12:38
